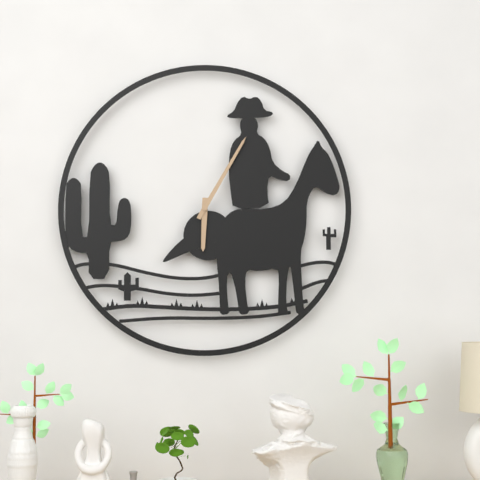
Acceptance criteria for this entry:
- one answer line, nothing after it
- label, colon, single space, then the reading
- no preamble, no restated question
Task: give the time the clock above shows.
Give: 6:05
